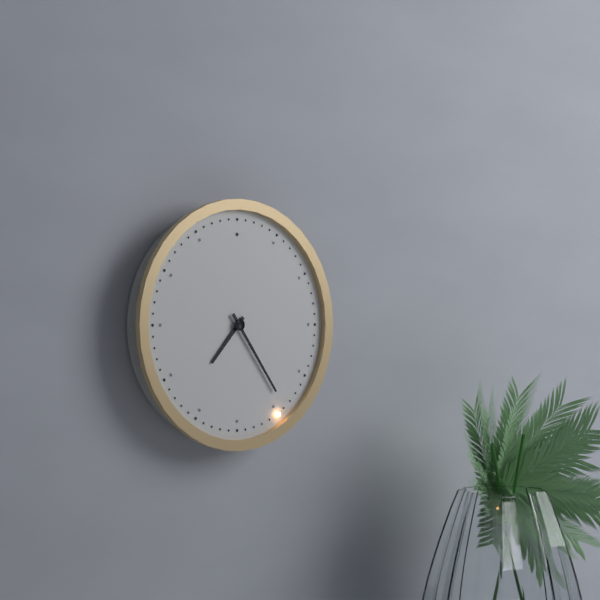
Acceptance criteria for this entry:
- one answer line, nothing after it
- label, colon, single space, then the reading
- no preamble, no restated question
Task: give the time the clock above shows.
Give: 7:24
